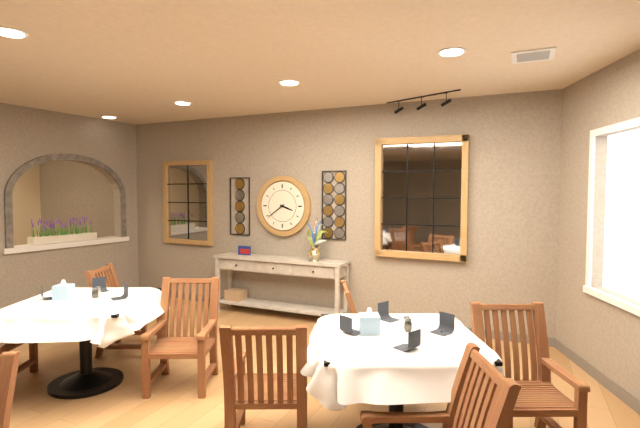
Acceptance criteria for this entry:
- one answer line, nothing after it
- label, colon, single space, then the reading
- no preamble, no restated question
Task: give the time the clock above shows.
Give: 3:39
